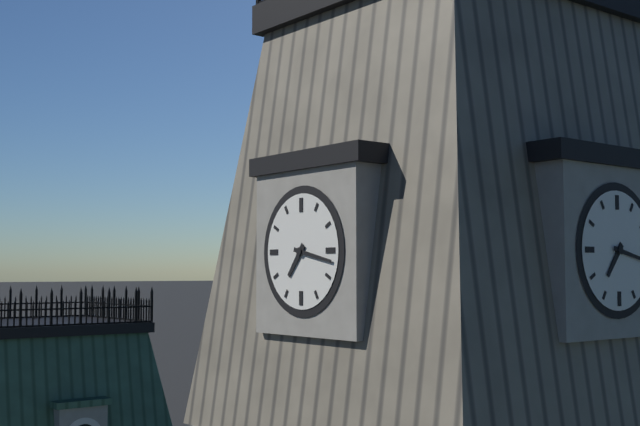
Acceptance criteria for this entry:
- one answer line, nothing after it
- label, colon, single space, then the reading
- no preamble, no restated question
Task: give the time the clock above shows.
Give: 7:17
